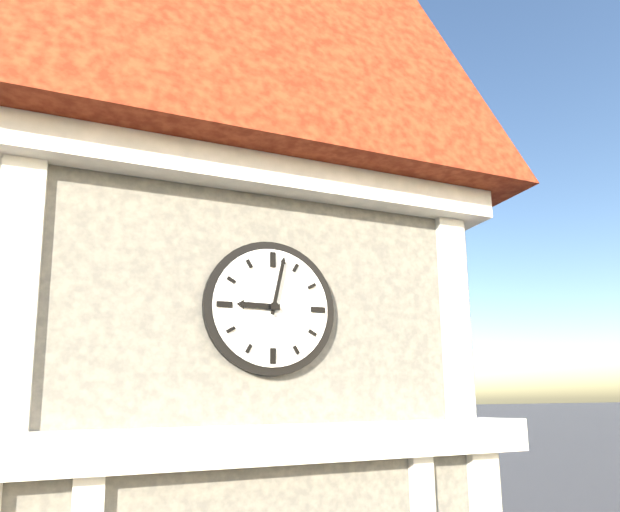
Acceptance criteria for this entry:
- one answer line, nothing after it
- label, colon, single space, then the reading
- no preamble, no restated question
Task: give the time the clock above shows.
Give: 9:02
